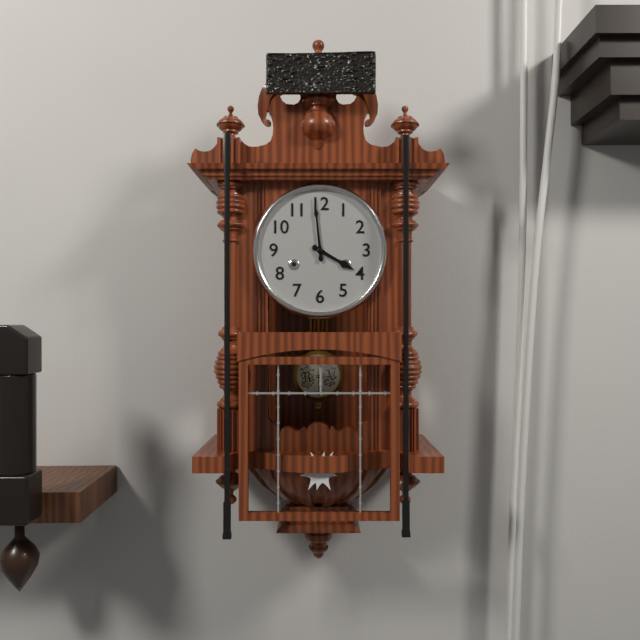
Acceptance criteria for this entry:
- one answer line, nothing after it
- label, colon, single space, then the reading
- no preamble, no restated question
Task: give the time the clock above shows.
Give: 3:59
